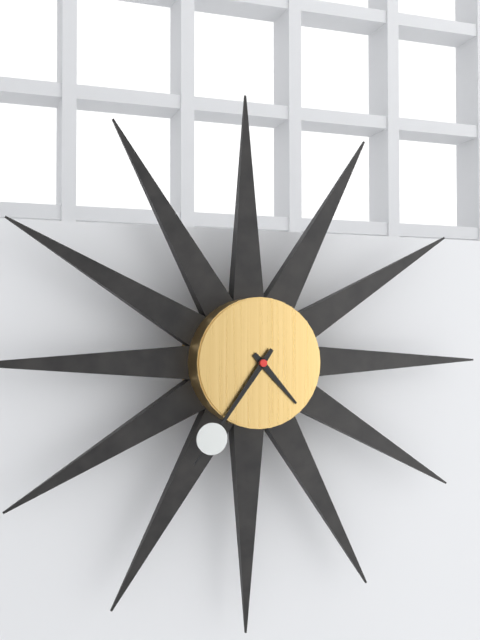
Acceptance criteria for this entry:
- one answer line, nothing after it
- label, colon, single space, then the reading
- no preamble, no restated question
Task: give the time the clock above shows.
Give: 4:36
